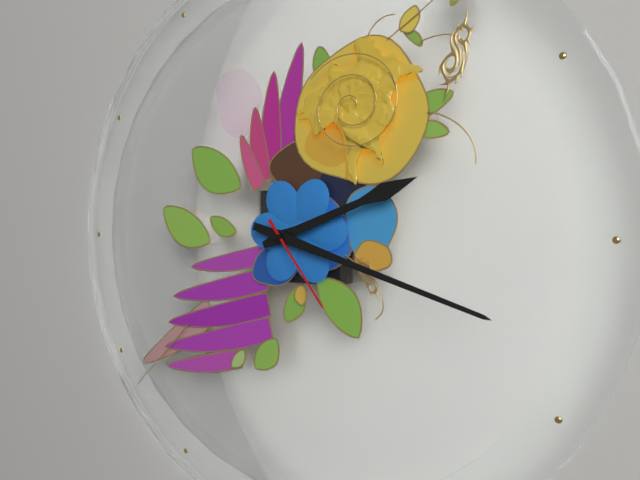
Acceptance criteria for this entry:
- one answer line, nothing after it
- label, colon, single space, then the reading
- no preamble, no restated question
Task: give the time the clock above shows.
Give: 2:18:24
